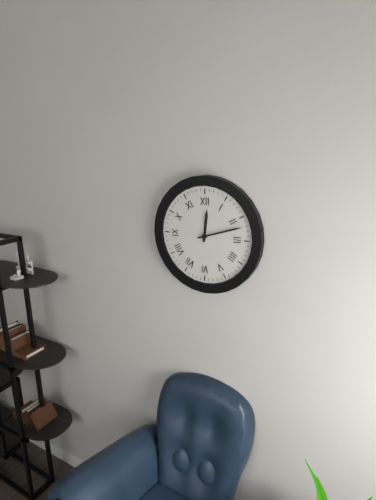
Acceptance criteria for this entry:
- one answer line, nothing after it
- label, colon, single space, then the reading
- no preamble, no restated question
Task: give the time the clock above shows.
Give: 12:12
